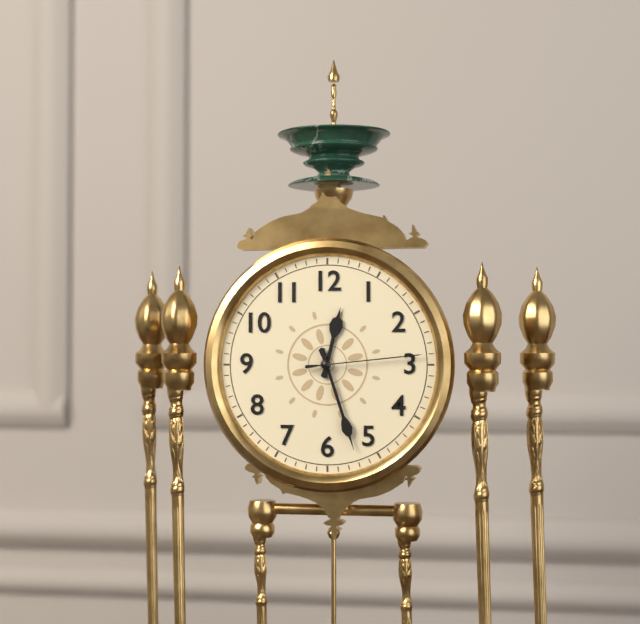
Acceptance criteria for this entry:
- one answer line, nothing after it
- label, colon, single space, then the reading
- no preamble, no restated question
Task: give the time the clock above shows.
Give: 12:27:14
